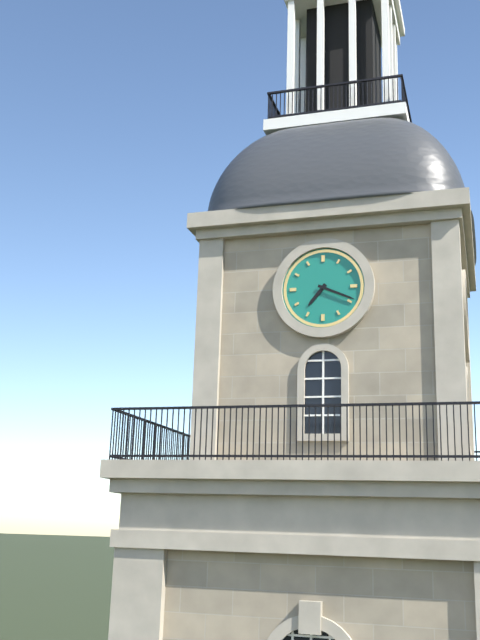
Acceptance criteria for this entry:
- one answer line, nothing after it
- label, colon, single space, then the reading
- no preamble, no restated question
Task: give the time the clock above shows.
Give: 7:19
